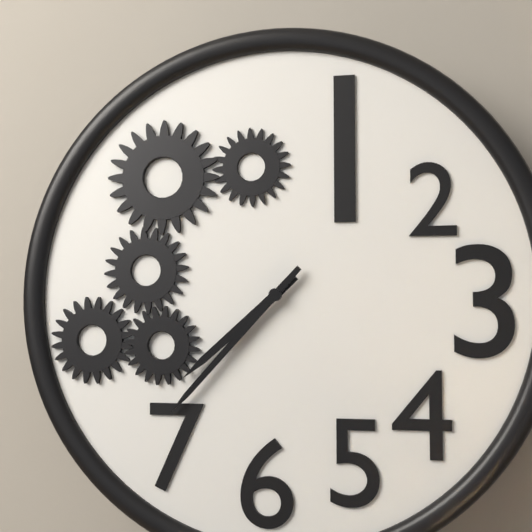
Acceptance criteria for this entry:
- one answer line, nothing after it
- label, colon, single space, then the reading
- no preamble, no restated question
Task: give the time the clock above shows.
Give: 7:37
